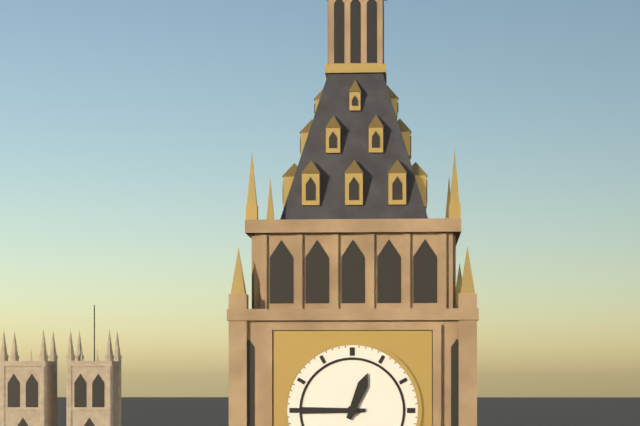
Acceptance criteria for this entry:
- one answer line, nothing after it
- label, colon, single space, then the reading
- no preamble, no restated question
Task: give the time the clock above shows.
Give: 12:45
